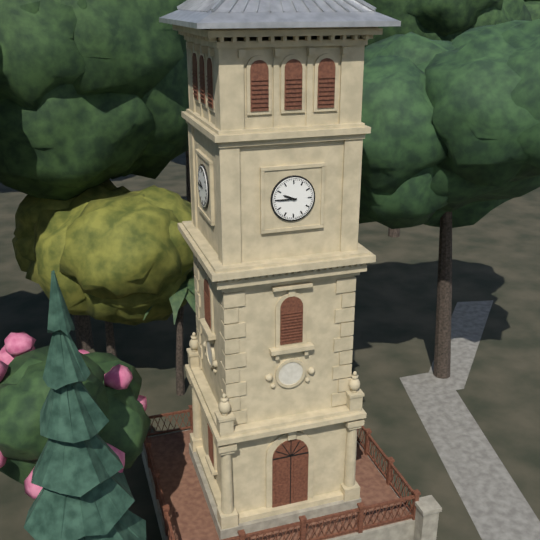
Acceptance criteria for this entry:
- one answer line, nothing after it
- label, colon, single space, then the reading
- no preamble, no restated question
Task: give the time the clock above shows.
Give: 9:45
